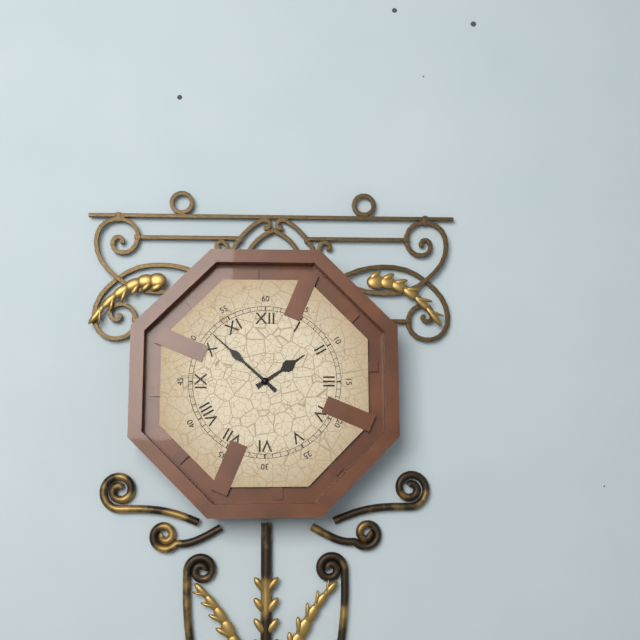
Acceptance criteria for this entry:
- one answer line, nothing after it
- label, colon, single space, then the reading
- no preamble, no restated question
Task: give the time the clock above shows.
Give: 1:52
